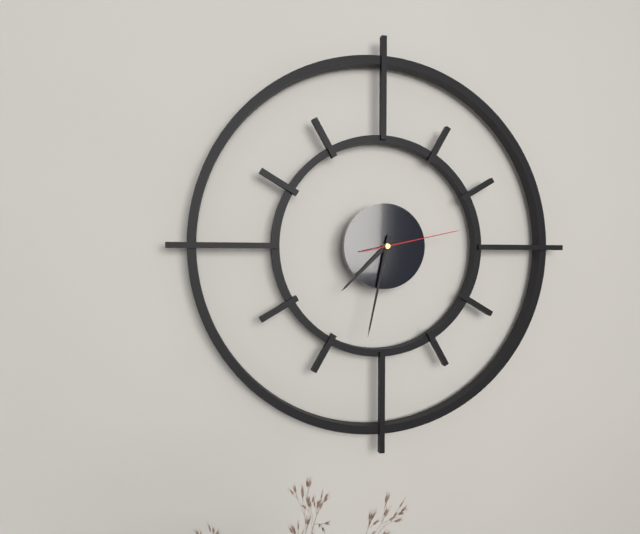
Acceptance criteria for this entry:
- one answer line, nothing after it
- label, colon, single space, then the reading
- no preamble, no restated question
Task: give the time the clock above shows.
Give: 7:32:13
